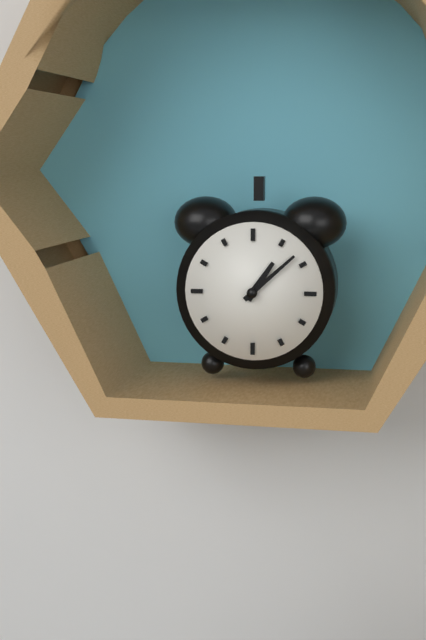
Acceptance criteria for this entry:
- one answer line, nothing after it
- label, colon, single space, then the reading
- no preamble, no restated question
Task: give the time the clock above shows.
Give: 1:08
